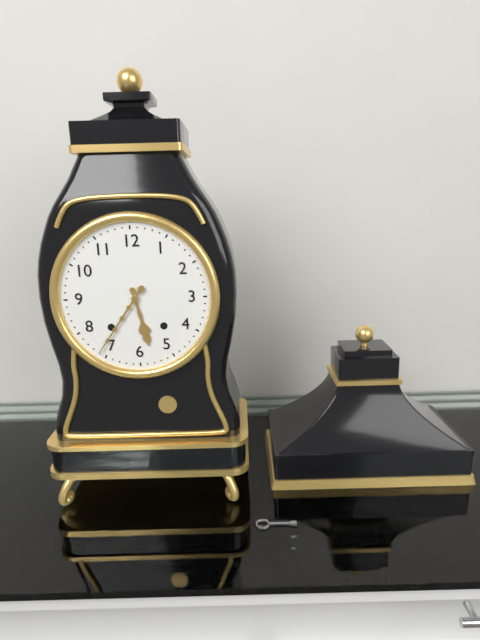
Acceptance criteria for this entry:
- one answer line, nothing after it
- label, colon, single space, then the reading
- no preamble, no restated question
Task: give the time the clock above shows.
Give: 5:36
